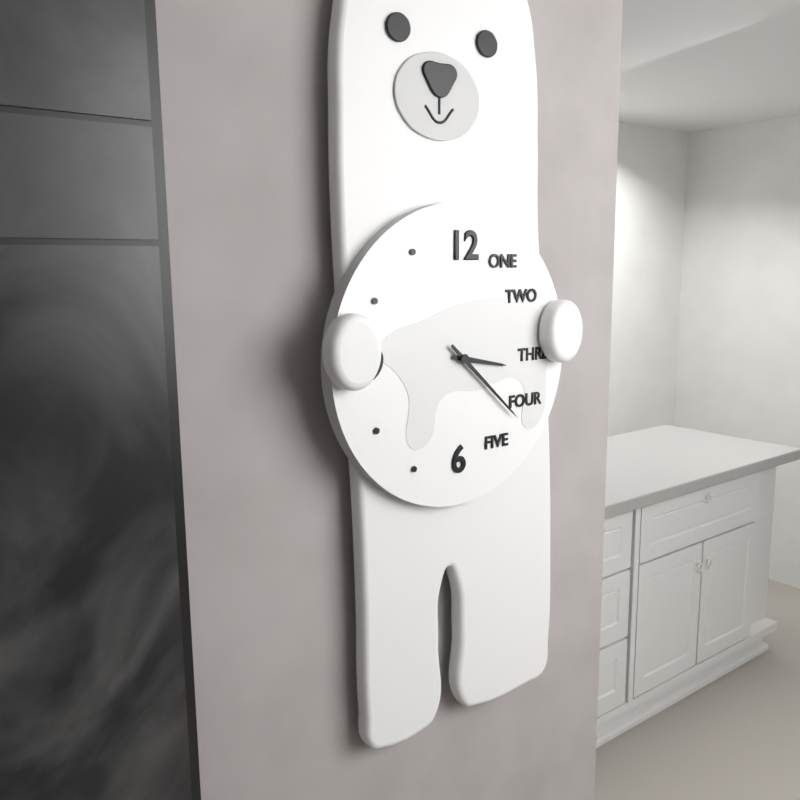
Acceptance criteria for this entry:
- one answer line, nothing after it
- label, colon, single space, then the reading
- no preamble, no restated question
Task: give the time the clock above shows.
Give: 3:22
